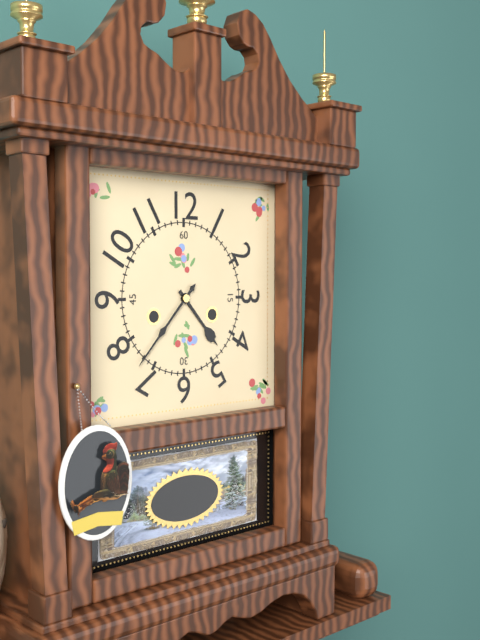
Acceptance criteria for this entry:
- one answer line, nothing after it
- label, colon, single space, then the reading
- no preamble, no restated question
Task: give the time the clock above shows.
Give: 4:37
